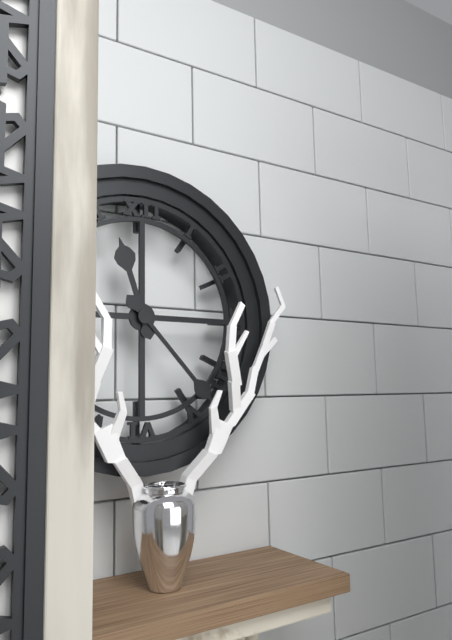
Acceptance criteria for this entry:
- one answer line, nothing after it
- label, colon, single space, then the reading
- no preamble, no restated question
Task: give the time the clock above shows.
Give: 11:23
